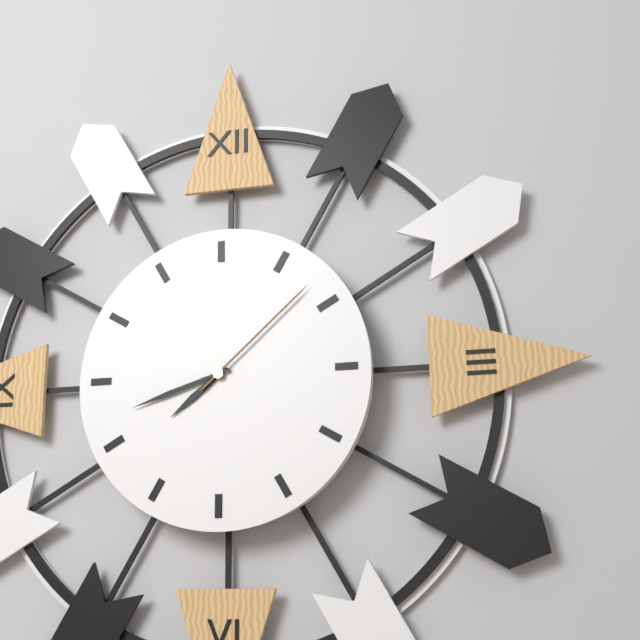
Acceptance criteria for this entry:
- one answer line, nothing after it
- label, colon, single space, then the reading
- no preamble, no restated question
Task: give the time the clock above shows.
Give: 7:42:08
